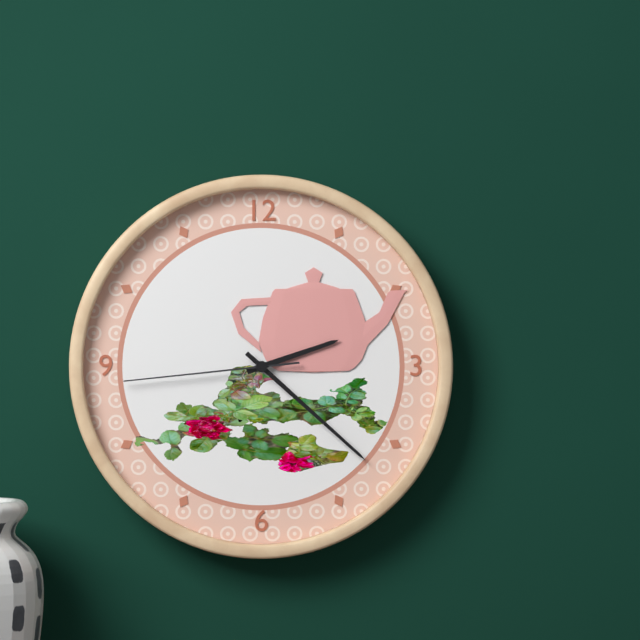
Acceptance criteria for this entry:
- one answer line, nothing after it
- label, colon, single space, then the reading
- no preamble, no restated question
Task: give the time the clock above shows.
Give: 2:22:44
